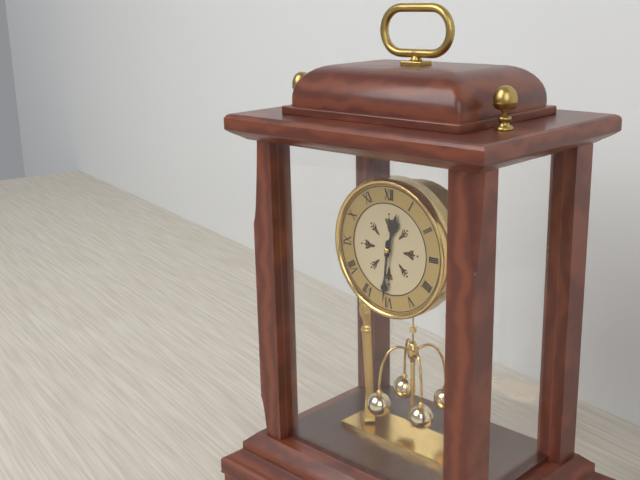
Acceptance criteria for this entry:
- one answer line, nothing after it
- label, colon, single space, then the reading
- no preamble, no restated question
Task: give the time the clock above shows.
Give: 12:31
